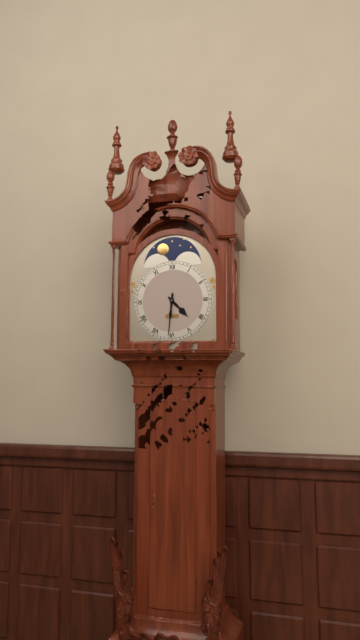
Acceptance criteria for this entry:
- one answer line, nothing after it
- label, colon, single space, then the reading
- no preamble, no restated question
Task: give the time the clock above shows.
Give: 4:31
